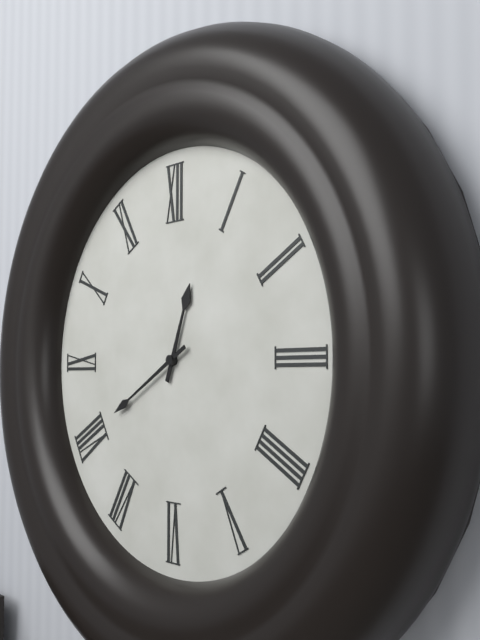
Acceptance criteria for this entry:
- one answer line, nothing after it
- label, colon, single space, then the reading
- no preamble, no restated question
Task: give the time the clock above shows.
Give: 12:40
